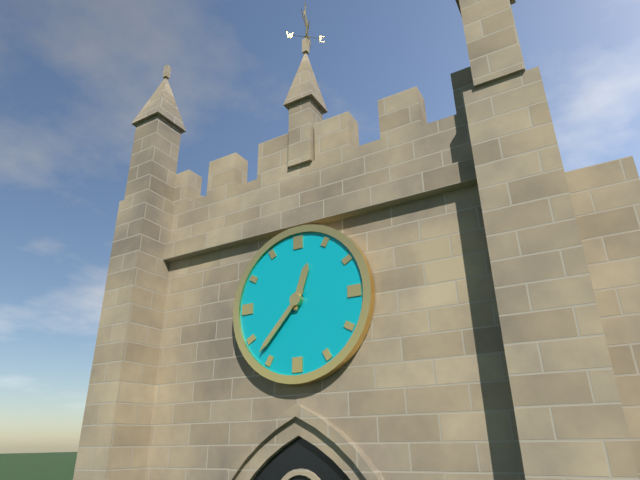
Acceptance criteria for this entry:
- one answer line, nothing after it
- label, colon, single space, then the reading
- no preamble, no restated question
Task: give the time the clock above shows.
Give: 12:37
